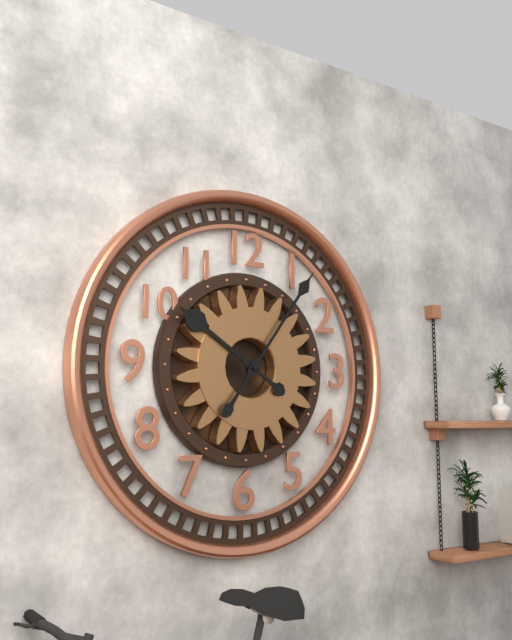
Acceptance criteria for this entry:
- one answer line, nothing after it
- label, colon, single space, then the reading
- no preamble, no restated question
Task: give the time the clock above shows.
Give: 10:06
